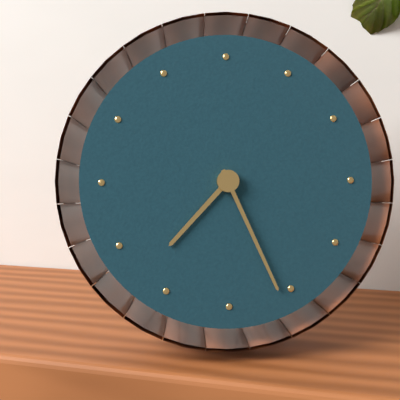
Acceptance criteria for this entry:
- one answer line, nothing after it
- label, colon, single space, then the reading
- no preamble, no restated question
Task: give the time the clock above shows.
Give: 7:26
